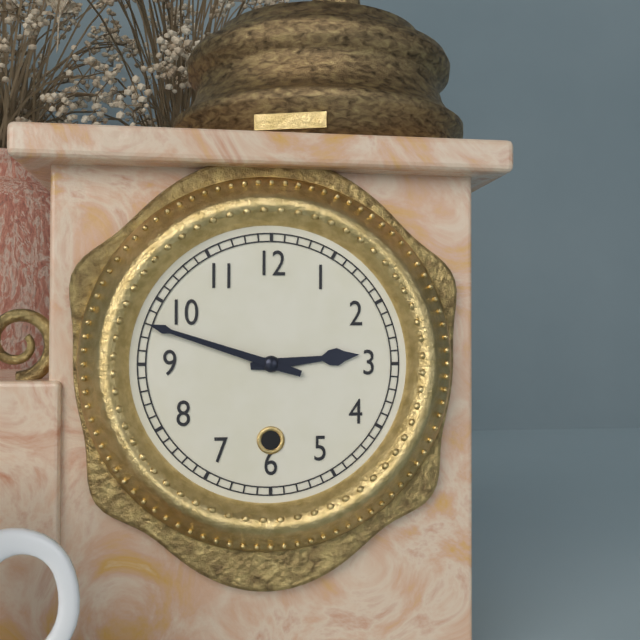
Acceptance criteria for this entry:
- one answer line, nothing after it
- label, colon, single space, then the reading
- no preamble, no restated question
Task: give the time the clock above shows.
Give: 2:48
